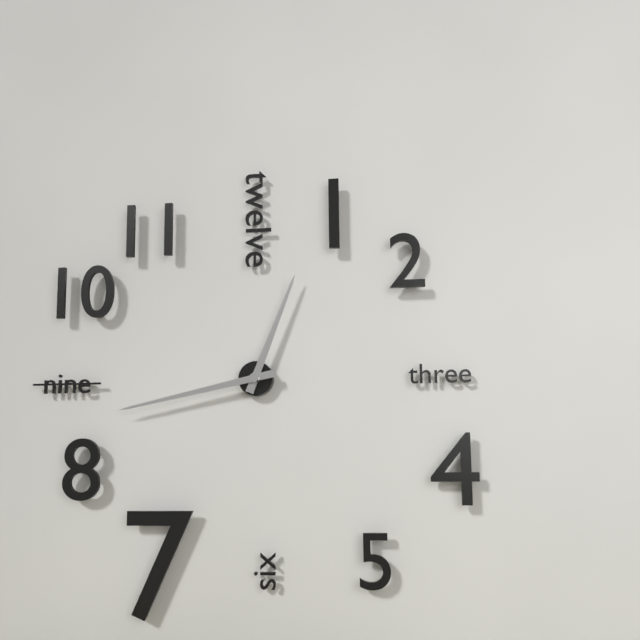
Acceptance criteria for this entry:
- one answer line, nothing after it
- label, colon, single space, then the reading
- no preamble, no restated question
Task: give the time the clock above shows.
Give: 12:43
